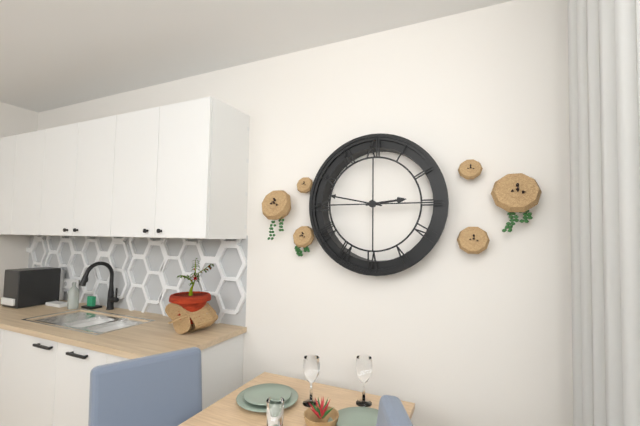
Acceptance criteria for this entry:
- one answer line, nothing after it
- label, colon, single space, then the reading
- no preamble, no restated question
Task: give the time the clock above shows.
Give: 2:47
